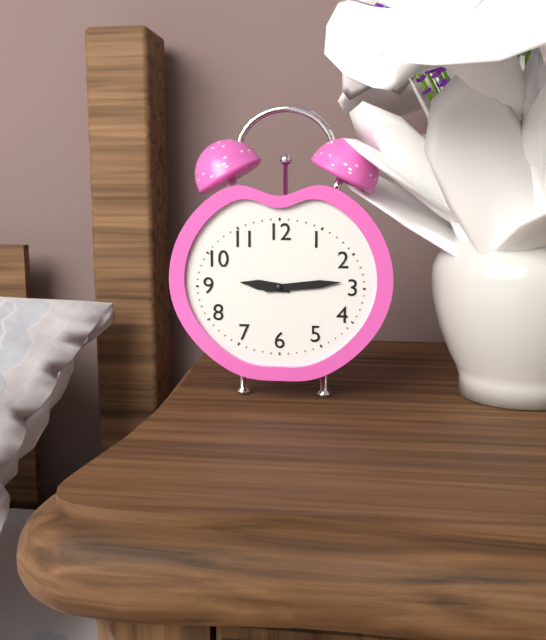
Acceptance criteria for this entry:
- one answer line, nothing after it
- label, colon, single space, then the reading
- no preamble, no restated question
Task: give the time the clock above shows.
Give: 9:14
